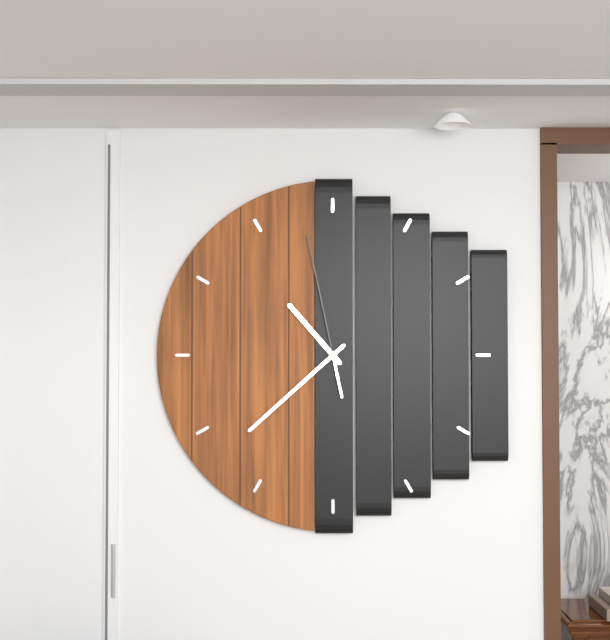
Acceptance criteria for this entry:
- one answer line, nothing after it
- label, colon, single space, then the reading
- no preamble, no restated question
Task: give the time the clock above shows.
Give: 10:38:58
